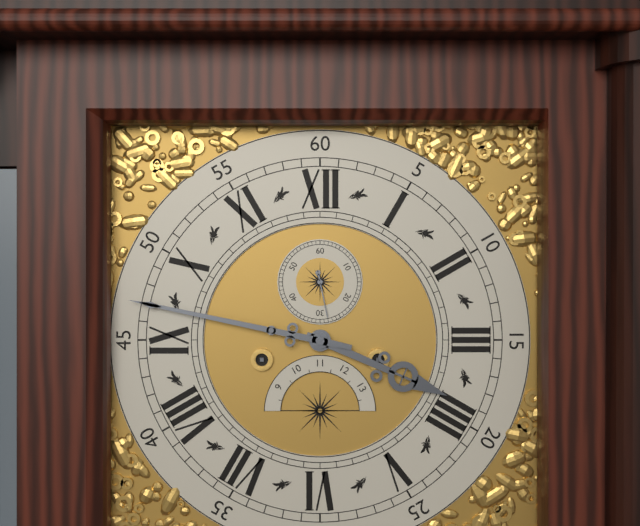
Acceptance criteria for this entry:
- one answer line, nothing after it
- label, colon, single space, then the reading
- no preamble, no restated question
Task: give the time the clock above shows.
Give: 3:47
